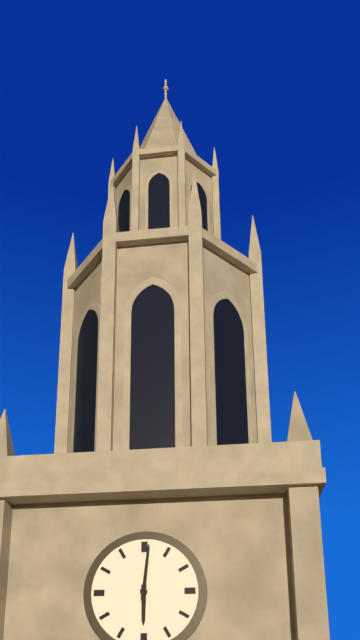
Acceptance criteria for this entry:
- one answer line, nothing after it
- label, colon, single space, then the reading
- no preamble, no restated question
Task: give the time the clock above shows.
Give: 6:01
